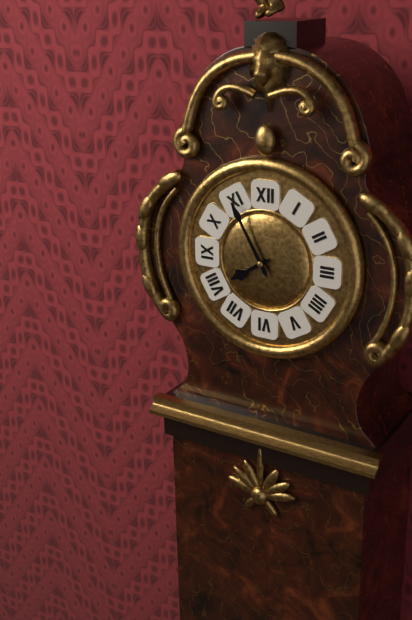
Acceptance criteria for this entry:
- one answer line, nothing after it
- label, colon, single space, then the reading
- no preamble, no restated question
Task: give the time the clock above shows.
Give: 7:55
